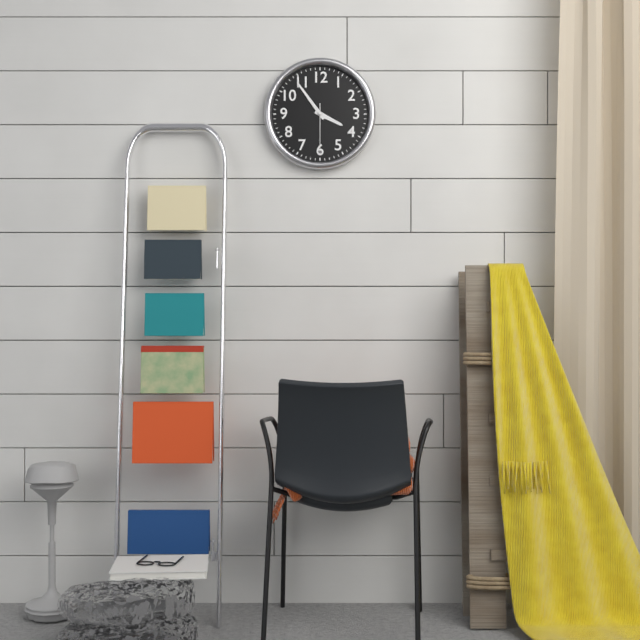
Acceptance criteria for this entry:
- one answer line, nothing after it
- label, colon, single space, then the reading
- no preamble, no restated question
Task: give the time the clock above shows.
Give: 3:54:30
